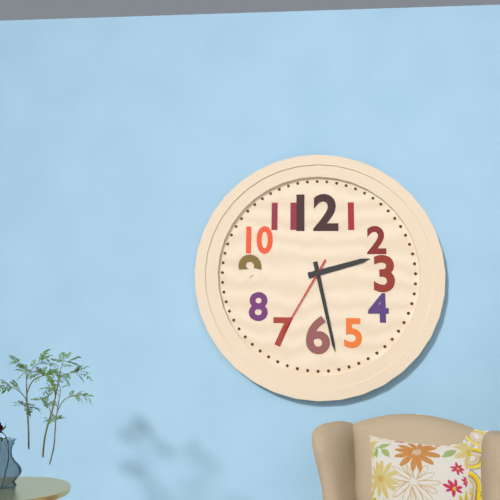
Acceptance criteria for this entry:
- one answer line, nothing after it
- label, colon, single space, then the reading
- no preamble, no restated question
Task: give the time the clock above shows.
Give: 2:28:35
